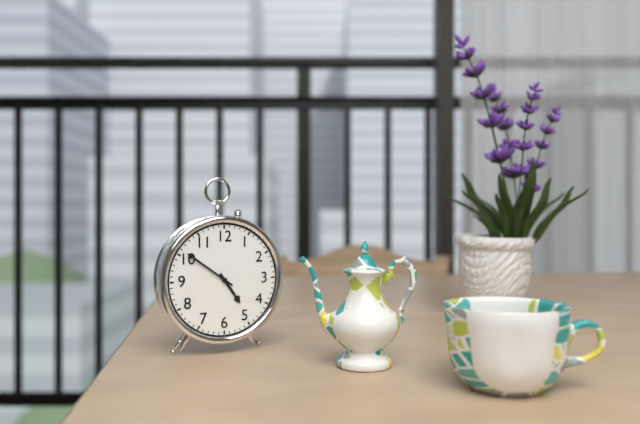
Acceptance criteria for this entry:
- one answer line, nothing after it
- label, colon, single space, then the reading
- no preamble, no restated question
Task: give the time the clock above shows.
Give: 4:51
